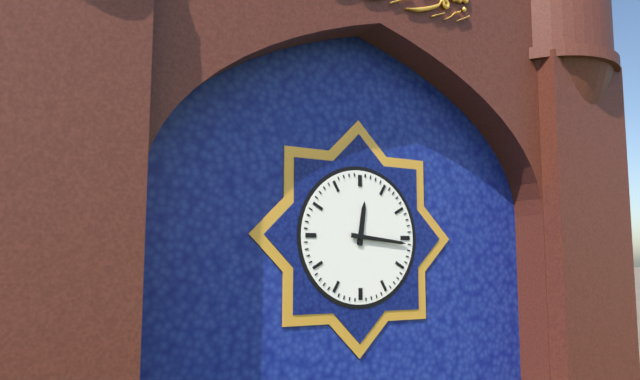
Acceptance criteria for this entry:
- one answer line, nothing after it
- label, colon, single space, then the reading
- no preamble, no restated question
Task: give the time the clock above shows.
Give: 12:16
